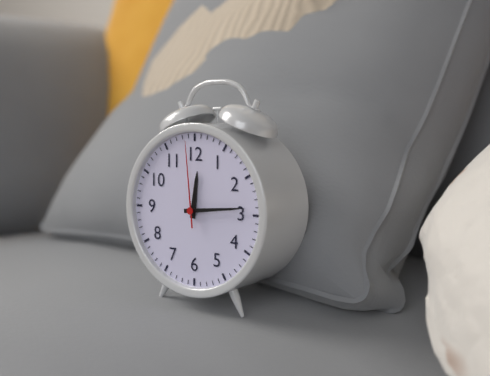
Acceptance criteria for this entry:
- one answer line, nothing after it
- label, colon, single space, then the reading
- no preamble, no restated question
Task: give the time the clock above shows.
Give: 12:14:59
